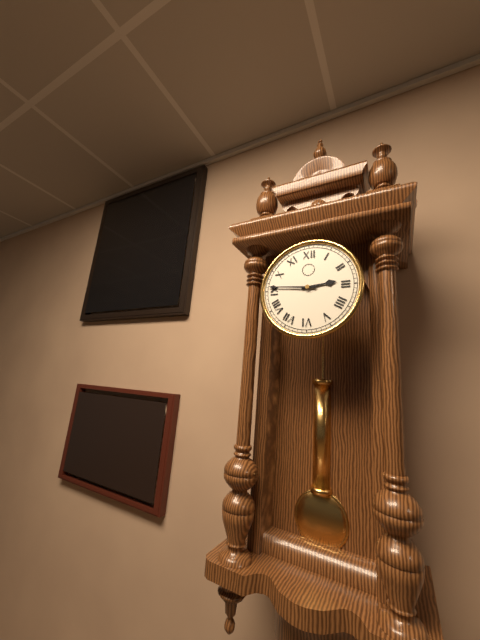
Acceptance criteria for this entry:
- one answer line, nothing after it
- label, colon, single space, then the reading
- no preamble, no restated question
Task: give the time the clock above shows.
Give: 2:46
